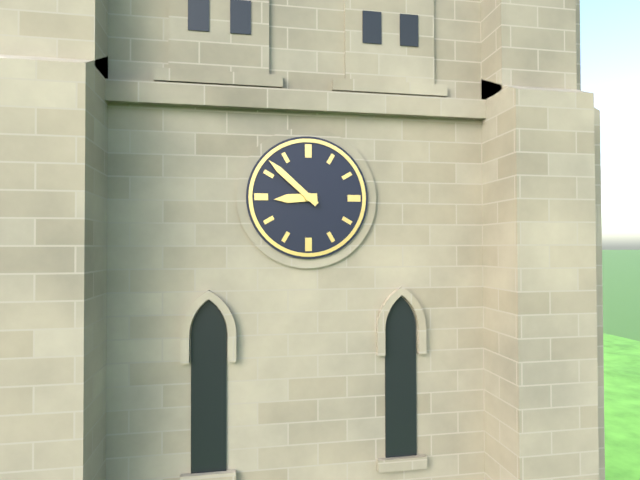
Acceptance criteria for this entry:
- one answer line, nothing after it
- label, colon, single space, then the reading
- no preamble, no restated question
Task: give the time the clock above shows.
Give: 8:52
